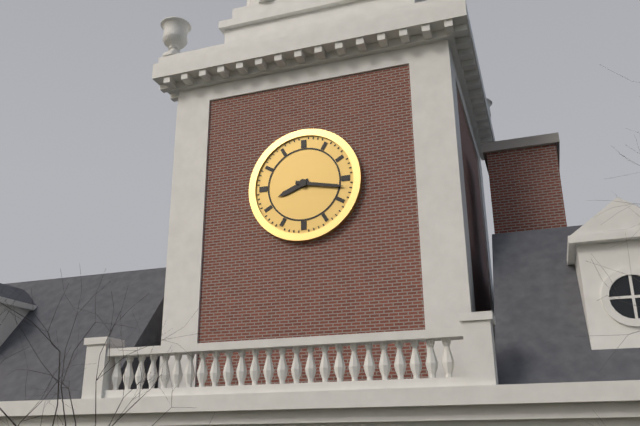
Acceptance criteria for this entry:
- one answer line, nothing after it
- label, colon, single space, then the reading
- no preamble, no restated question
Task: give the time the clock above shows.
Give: 8:17
